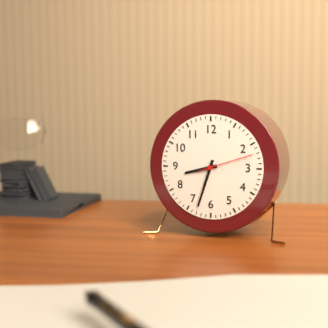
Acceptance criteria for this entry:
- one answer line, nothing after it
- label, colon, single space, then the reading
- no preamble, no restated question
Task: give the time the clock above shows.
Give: 8:33:12
